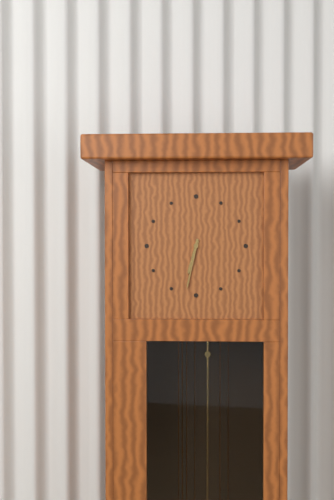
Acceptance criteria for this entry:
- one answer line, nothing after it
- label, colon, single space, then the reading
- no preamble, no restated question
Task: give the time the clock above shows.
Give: 6:32
